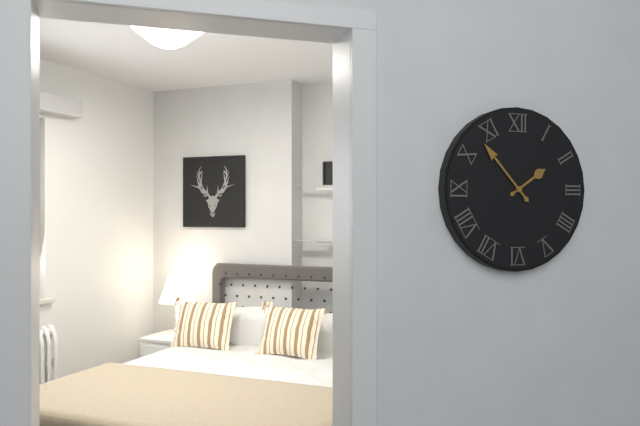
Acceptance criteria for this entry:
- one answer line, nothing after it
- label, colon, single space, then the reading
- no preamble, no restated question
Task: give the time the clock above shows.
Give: 1:53
